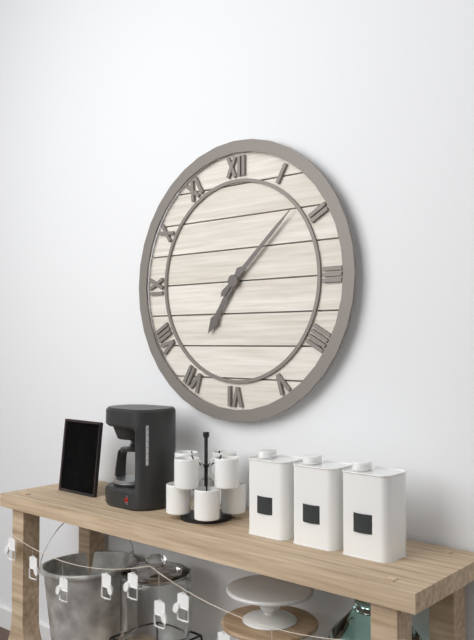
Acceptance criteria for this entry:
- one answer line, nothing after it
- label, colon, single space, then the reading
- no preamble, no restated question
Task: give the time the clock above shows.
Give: 7:08
